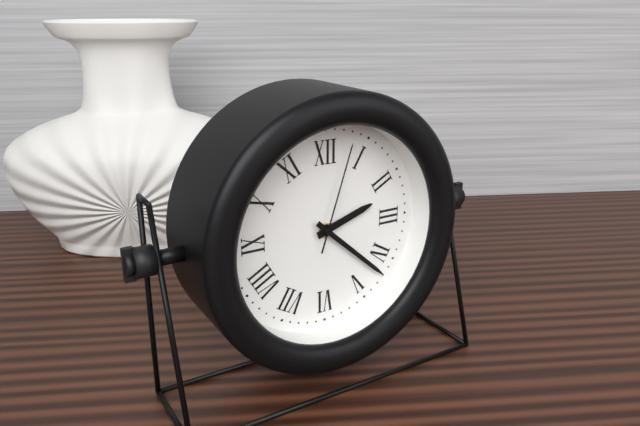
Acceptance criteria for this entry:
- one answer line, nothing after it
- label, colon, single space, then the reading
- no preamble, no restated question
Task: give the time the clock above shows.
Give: 2:22:03
